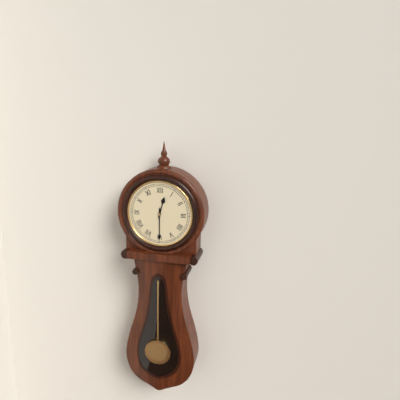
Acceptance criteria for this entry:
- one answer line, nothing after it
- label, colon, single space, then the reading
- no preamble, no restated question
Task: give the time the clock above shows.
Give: 12:30
